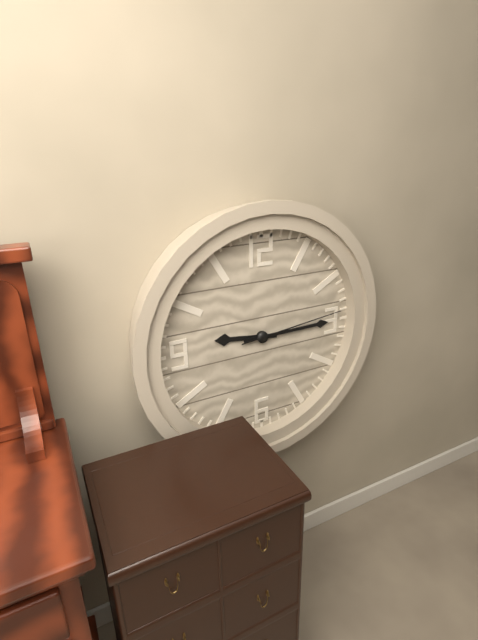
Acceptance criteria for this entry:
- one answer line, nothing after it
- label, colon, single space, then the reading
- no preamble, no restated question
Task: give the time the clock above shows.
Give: 9:15:14
